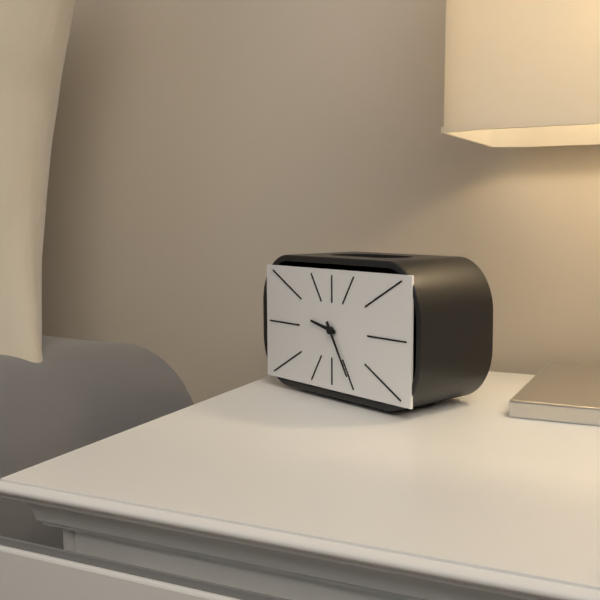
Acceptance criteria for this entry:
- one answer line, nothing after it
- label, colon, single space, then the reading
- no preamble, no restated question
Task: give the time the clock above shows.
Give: 9:25
